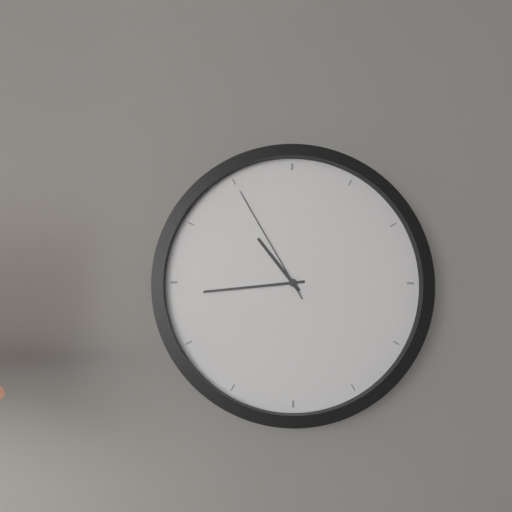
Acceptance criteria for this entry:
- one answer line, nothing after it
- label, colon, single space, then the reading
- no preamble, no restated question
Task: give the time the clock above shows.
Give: 10:44:55
